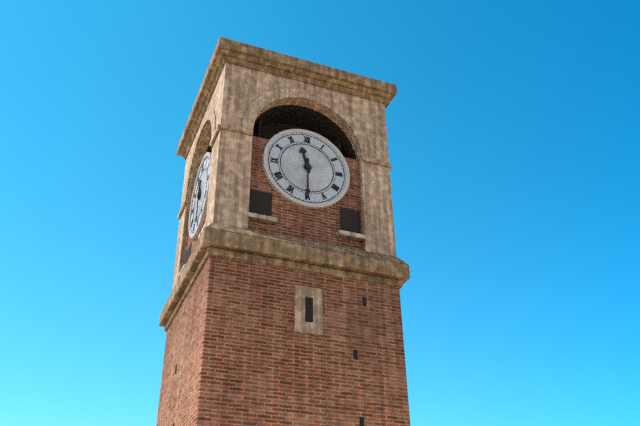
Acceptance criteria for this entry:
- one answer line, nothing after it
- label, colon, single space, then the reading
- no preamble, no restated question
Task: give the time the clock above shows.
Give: 11:30
